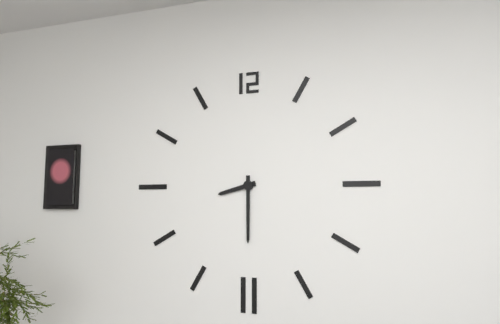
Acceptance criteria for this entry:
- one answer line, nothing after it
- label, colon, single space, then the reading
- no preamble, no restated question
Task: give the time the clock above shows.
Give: 8:30
